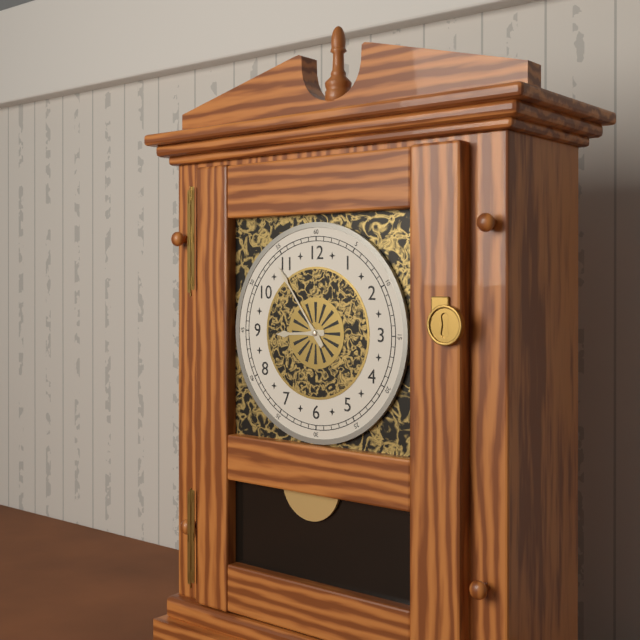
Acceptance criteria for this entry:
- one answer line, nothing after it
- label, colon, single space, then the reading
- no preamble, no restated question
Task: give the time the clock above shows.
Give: 8:54
